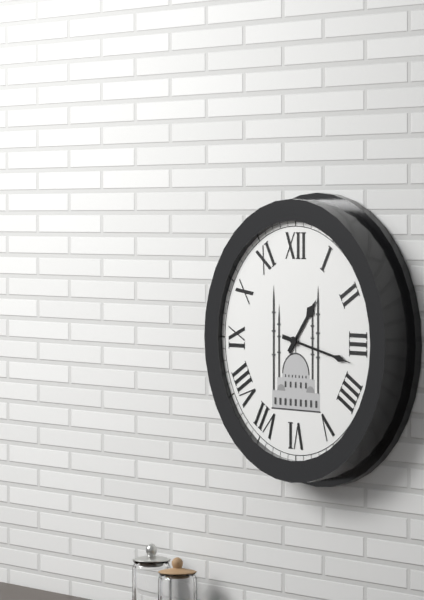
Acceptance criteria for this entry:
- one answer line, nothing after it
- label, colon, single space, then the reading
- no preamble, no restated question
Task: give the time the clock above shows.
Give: 1:17
